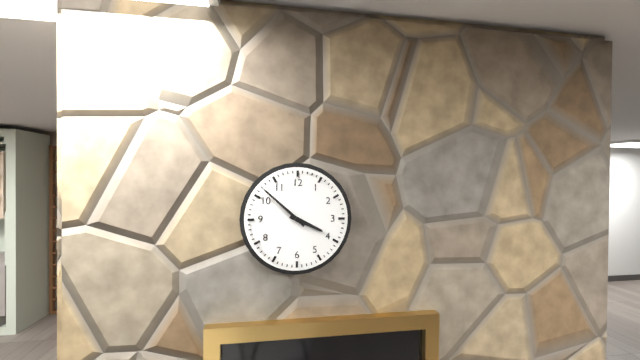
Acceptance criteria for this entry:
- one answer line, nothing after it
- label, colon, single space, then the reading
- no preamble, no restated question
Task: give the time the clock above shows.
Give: 3:52
